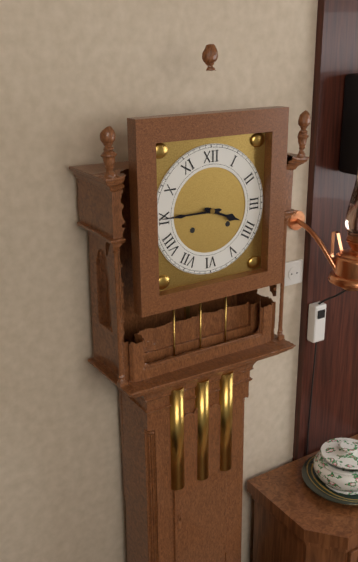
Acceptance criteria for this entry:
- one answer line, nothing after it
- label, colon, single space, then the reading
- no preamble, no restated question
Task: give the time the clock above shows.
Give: 3:45
